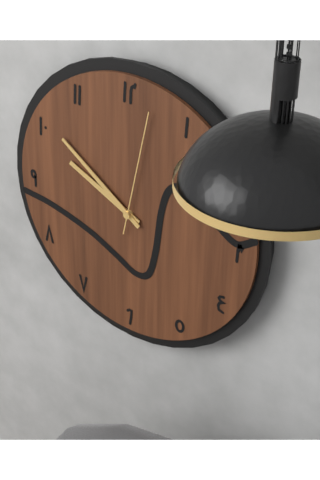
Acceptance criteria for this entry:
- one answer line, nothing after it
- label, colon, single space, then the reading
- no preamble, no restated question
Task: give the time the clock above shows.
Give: 9:51:02
